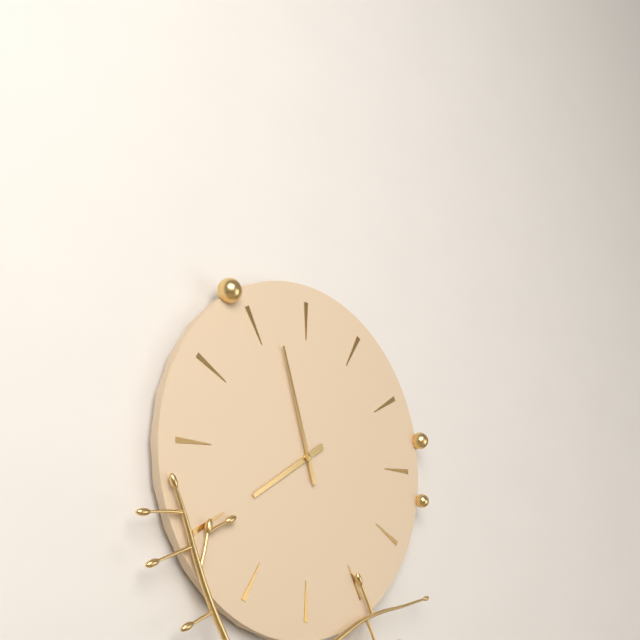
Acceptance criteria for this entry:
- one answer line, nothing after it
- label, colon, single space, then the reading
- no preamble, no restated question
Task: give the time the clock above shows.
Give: 7:57
